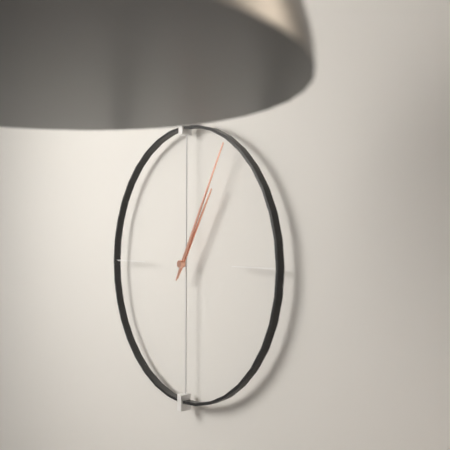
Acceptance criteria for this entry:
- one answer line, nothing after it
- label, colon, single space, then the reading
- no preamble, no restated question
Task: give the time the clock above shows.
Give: 1:05
